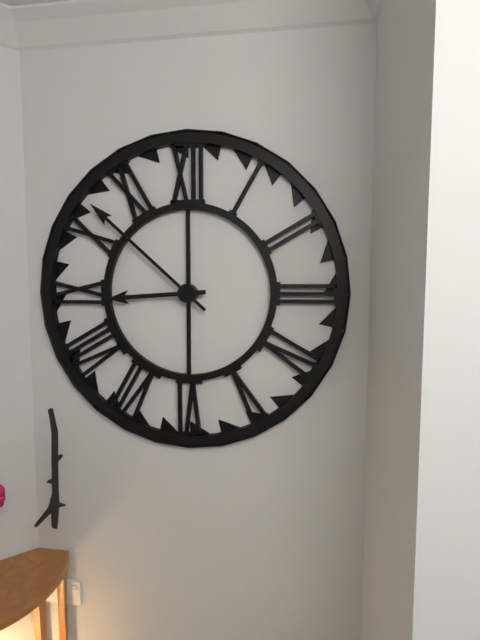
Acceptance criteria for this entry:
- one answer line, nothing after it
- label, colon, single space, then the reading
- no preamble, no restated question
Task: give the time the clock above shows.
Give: 8:52
